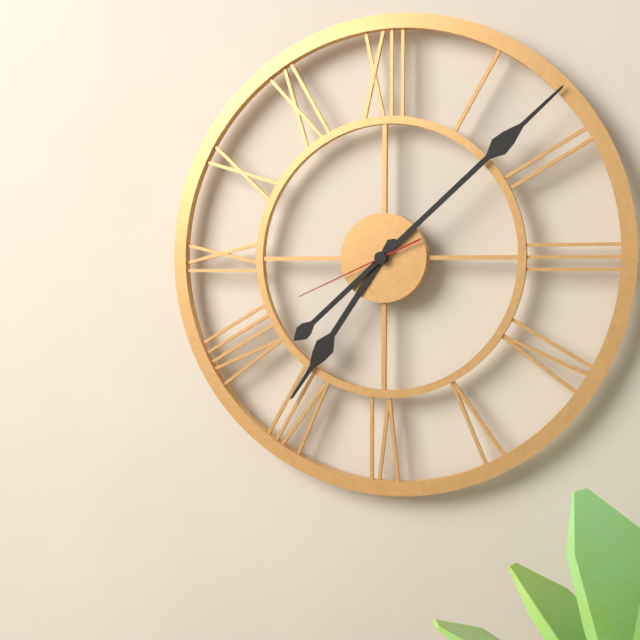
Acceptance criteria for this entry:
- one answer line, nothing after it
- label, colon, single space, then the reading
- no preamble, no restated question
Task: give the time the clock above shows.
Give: 7:08:41
